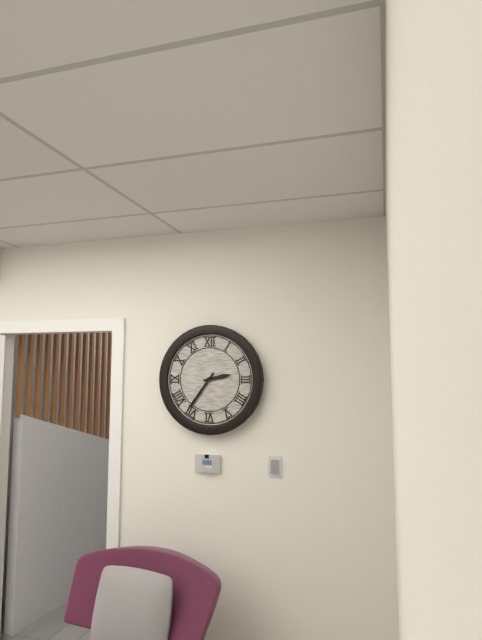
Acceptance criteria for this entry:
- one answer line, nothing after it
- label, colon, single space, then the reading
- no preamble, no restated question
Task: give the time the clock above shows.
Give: 2:36
